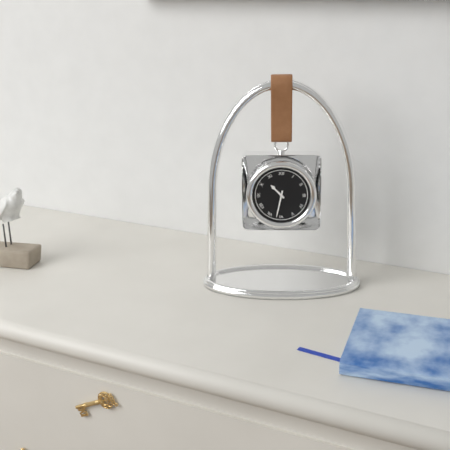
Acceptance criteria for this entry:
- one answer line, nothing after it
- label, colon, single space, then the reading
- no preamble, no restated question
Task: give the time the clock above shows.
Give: 10:32
